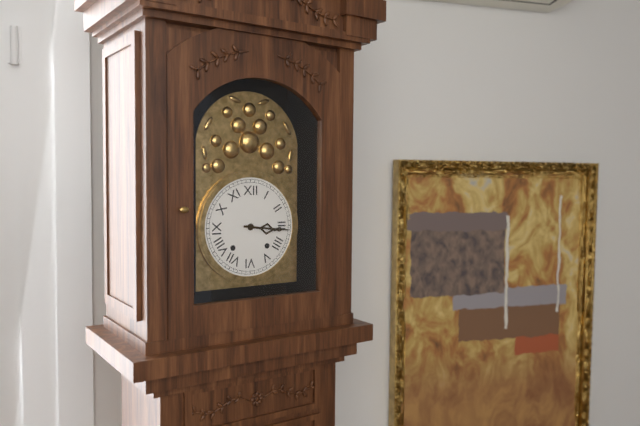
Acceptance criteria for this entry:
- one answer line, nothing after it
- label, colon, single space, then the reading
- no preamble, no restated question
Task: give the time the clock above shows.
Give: 3:16
